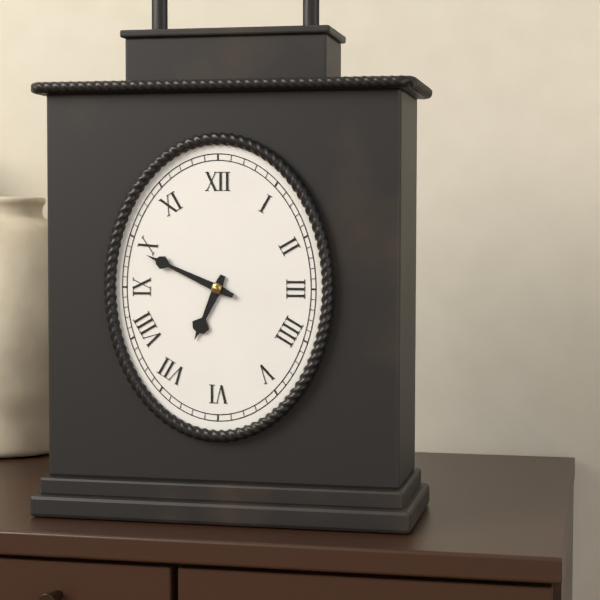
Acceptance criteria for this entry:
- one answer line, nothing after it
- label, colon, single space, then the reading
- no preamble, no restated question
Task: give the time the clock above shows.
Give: 6:49
